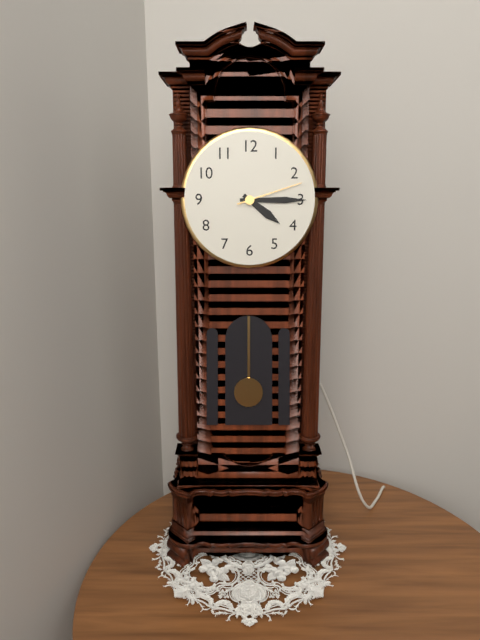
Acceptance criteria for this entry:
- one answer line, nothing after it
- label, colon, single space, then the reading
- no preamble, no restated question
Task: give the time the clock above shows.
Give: 4:15:12
